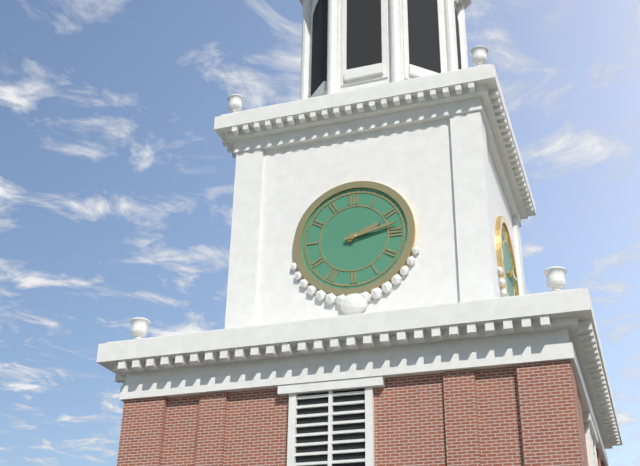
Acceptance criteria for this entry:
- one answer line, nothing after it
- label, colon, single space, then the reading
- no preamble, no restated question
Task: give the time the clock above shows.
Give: 2:13
